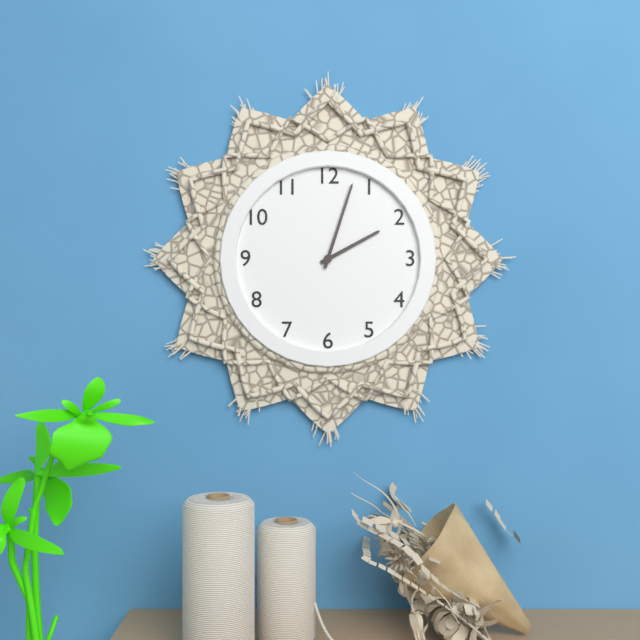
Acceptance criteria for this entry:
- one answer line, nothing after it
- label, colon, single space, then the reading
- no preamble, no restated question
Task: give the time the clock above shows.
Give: 2:03
